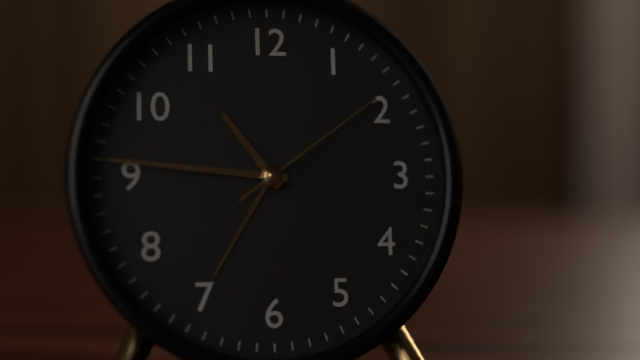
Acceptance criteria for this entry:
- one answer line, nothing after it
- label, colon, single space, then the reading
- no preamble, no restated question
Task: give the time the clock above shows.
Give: 10:46:09
